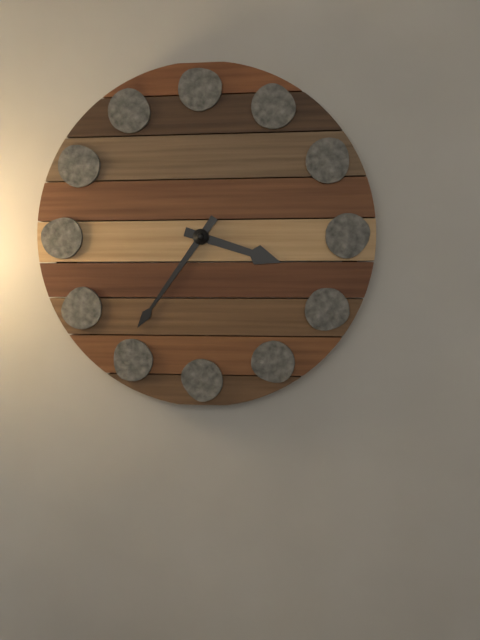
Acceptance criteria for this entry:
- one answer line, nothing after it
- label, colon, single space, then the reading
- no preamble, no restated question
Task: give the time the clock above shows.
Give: 3:36
